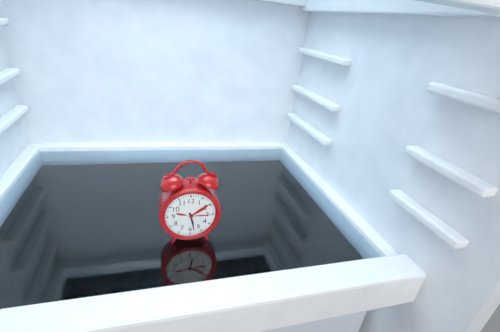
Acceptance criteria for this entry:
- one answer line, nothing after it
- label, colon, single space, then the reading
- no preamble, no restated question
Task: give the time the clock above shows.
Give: 5:28
